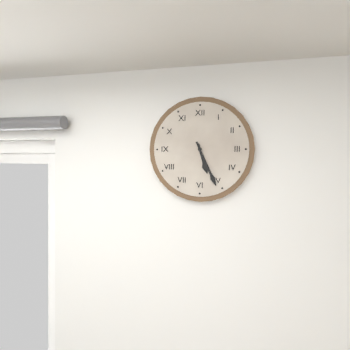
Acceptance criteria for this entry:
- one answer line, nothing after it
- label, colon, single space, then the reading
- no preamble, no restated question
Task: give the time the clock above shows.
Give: 5:26
